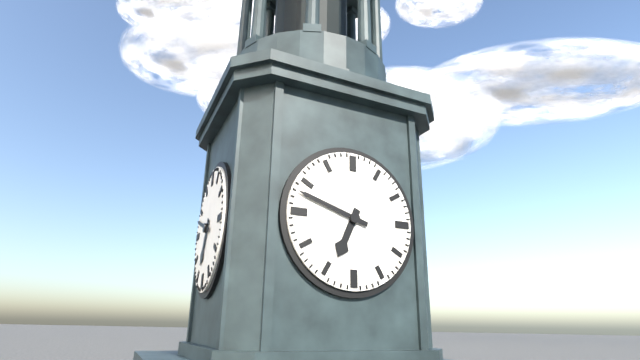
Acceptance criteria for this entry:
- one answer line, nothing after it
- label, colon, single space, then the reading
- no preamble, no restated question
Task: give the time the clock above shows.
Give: 6:48
